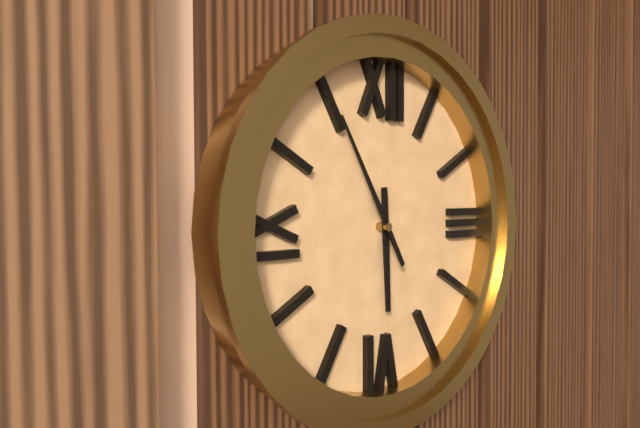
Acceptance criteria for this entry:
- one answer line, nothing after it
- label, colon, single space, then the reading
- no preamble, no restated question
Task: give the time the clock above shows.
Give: 5:55
